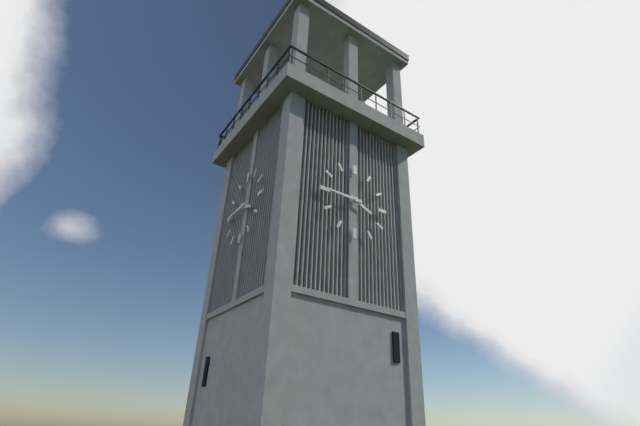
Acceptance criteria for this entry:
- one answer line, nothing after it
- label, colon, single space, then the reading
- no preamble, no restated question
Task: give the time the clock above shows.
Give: 3:45
